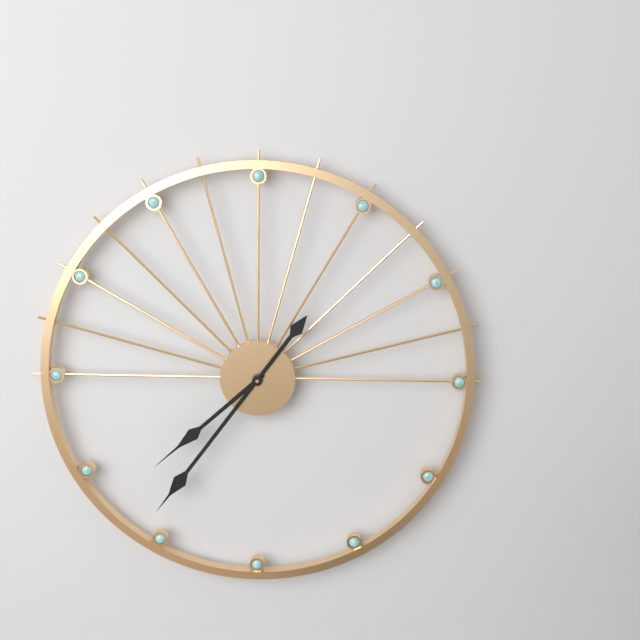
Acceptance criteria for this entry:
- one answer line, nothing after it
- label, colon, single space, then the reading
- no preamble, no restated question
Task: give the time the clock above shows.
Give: 7:36
